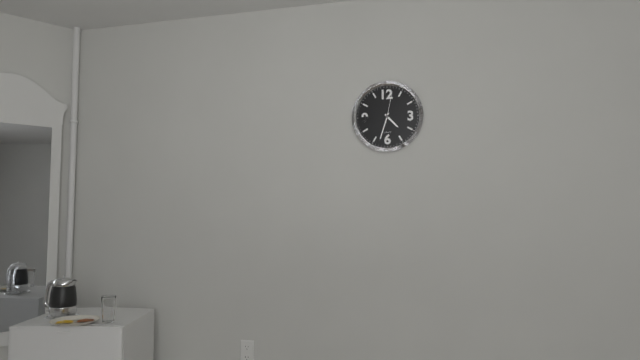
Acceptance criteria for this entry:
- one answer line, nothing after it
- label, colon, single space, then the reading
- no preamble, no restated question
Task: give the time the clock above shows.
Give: 4:33
